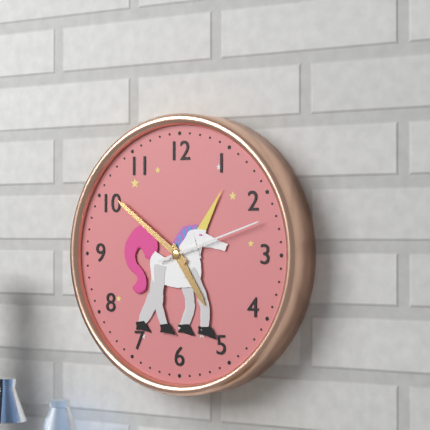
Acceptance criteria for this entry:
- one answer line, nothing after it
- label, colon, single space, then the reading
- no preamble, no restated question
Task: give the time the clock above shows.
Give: 4:51:12
